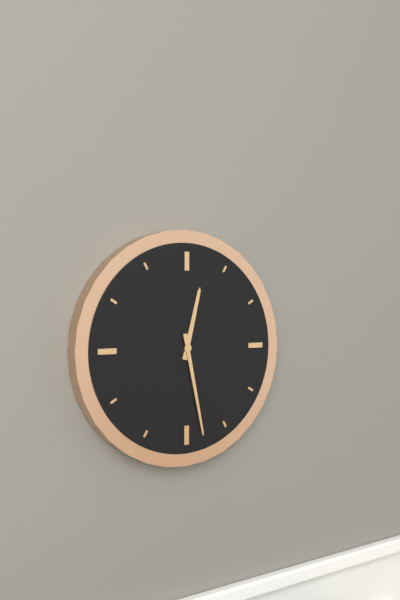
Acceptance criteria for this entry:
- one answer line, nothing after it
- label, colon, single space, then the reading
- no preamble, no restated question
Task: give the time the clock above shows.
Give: 12:28
